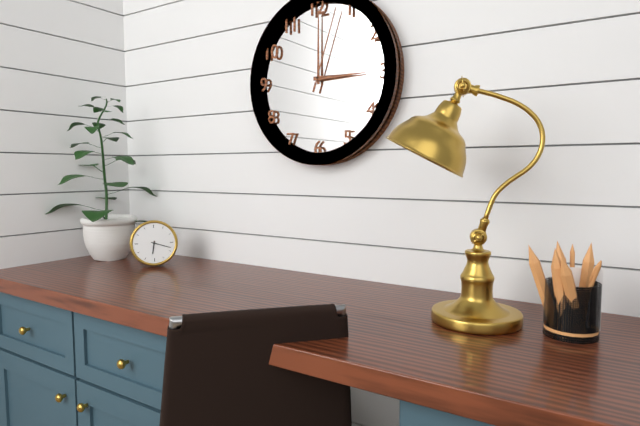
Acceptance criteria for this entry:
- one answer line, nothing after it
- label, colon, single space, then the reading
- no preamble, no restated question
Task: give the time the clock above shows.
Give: 6:18
